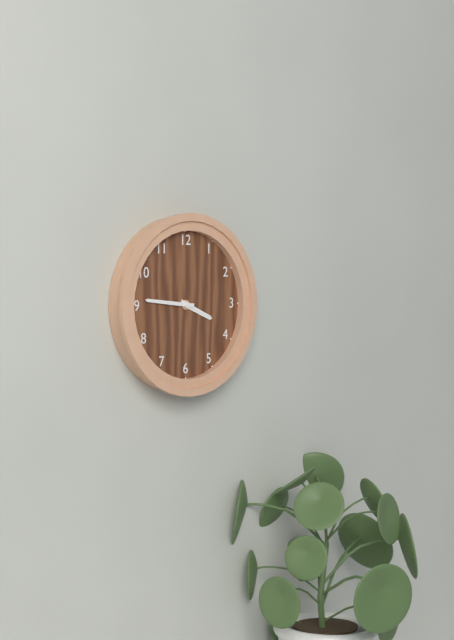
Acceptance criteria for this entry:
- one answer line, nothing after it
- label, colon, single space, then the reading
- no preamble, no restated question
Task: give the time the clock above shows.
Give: 3:46
